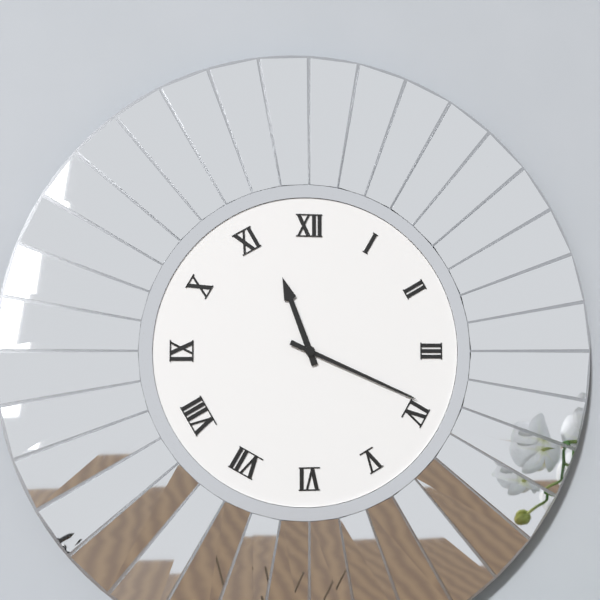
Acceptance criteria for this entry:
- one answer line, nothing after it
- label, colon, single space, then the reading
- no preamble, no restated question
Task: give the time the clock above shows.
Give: 11:19
